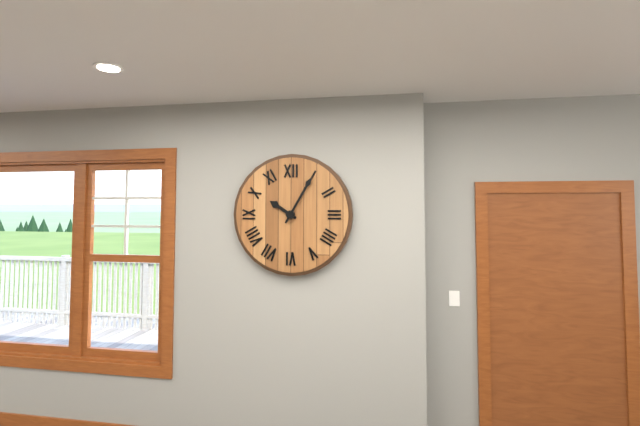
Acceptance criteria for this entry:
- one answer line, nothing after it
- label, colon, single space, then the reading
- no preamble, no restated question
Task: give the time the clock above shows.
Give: 10:05
